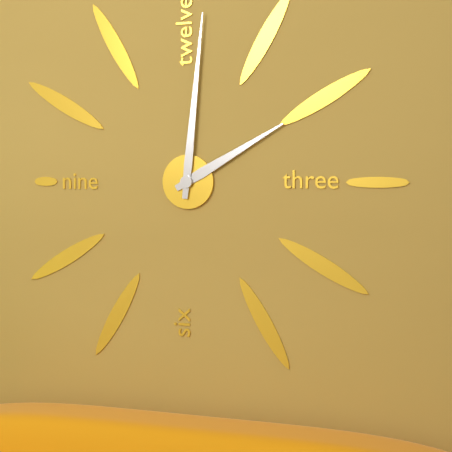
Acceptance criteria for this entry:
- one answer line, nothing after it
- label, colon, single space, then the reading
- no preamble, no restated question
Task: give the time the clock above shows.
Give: 2:01
